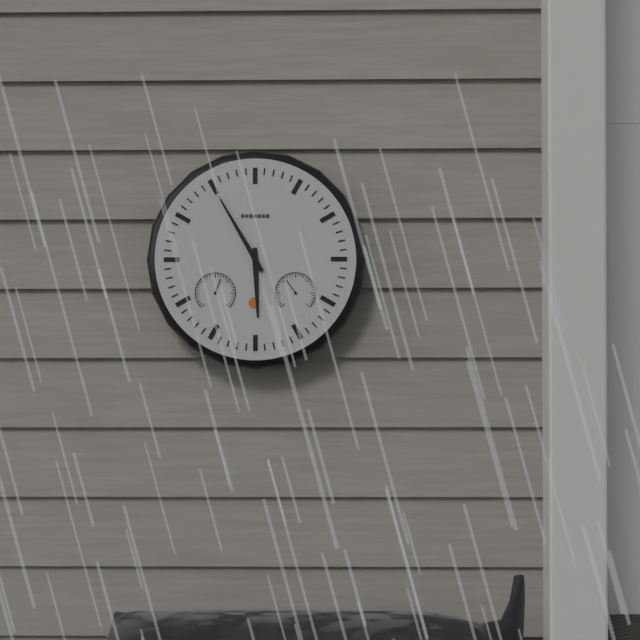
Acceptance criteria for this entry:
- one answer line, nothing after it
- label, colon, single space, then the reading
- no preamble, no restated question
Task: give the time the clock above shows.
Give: 5:55
